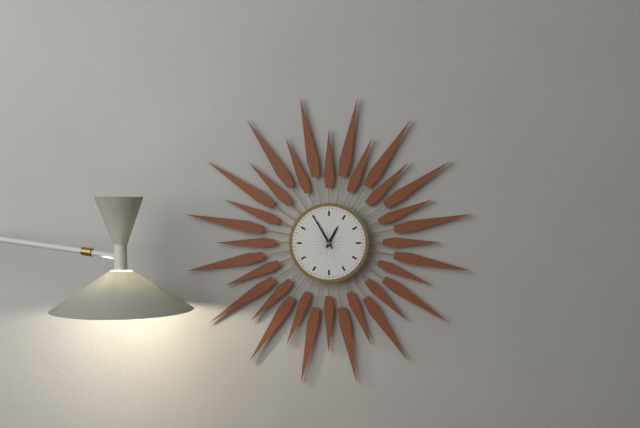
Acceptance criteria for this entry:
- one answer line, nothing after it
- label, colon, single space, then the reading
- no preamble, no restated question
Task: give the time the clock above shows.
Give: 12:55
